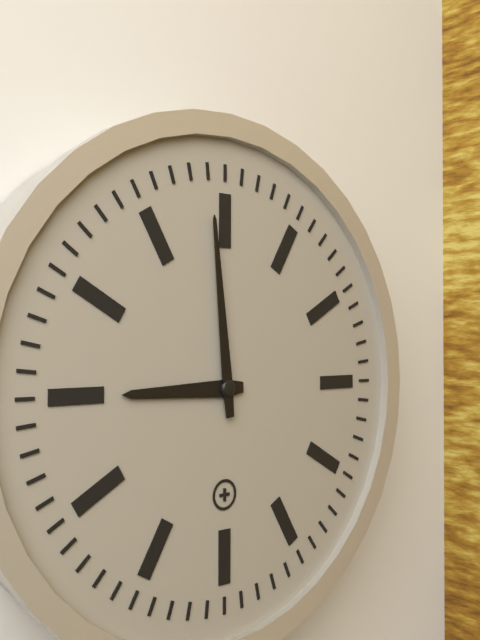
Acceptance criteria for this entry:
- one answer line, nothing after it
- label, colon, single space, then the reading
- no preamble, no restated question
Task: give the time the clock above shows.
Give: 8:59
